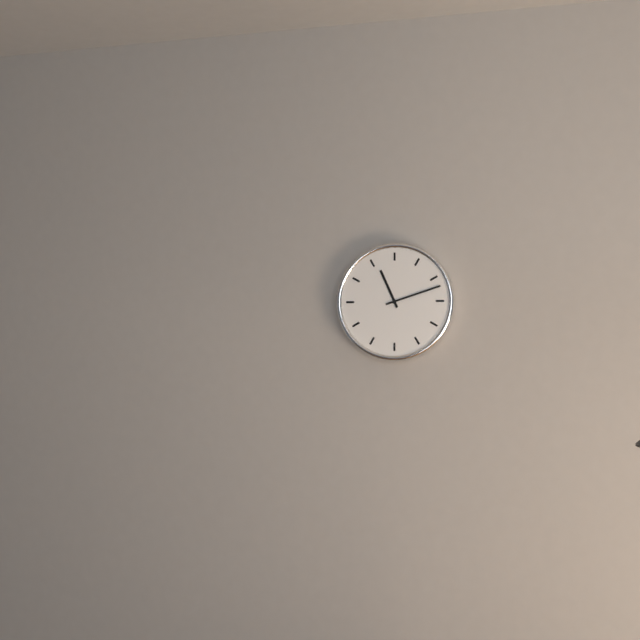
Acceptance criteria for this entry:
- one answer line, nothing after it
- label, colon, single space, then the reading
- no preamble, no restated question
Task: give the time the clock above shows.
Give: 11:12
